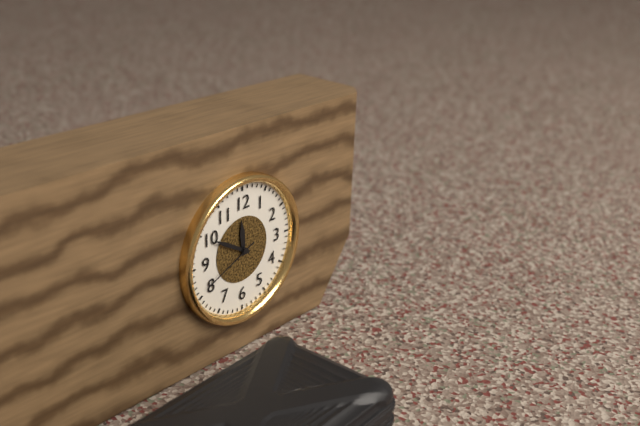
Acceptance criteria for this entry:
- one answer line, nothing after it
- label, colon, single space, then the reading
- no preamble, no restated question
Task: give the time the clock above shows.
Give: 11:50:41
